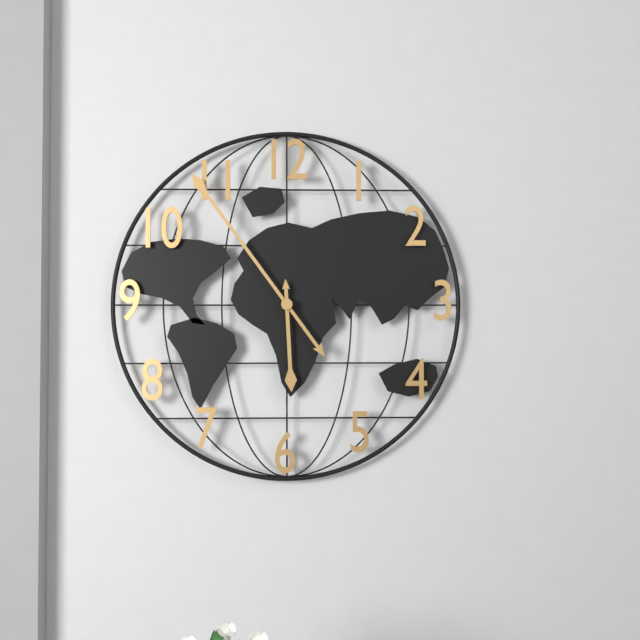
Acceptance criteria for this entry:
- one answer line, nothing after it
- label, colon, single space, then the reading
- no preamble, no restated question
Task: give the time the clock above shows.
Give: 5:54
